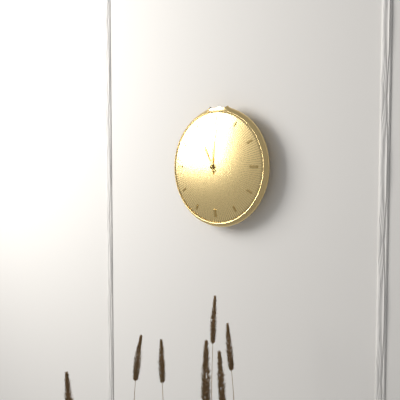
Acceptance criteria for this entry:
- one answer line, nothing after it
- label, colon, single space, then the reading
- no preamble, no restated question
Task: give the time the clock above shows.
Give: 11:00
